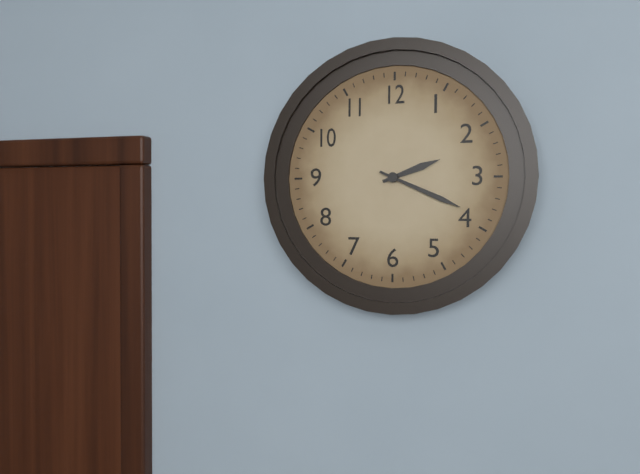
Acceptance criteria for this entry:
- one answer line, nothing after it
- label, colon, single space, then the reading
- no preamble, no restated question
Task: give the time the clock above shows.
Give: 2:19
